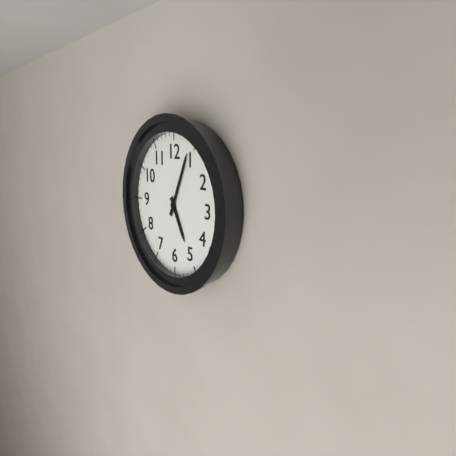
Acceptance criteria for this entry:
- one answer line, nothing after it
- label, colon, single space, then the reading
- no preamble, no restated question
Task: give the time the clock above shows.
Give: 5:04
